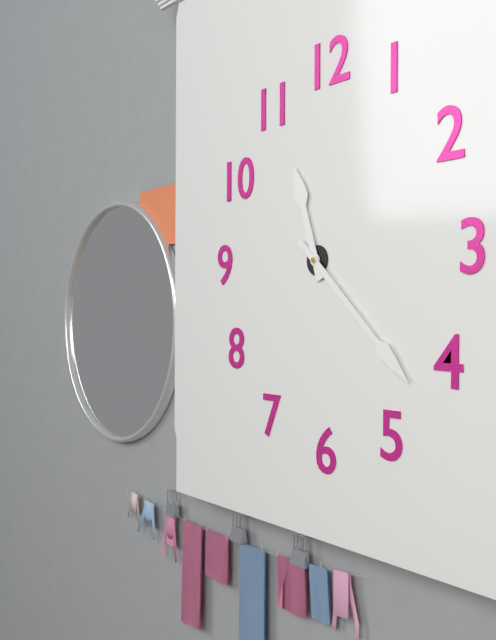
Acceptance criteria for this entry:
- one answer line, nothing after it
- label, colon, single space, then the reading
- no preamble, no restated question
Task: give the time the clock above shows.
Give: 11:22
